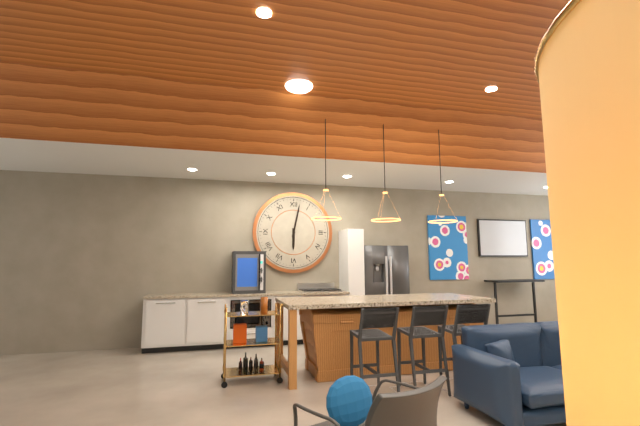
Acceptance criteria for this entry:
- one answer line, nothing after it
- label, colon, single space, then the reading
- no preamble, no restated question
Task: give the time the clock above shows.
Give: 6:02
